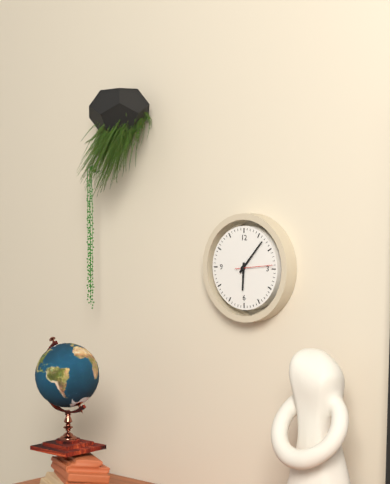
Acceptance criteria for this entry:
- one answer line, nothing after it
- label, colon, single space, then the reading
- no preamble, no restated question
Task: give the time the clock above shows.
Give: 6:07
